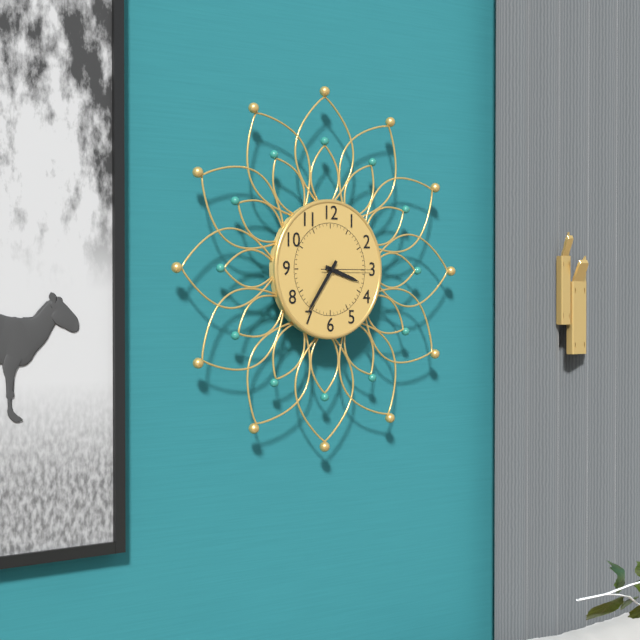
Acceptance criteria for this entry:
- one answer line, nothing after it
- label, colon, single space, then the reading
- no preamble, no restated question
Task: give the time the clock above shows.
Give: 3:36
